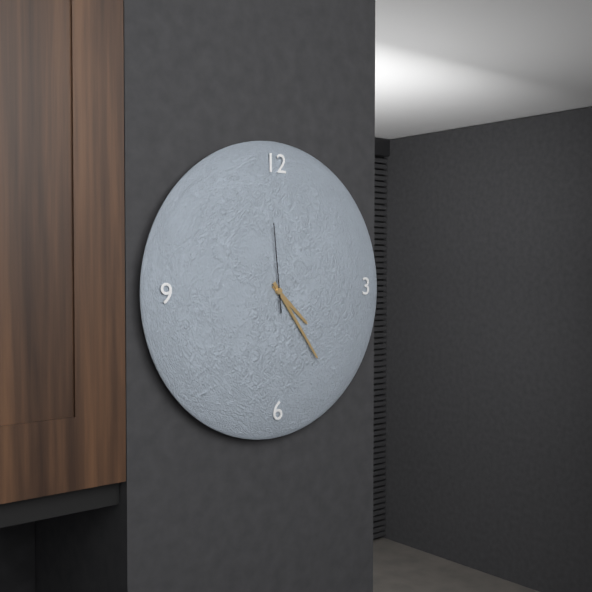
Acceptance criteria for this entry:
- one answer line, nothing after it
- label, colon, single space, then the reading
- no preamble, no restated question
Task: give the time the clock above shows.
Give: 4:24:59
